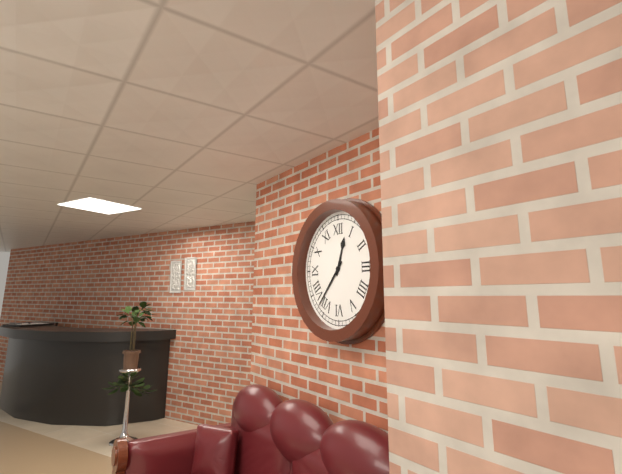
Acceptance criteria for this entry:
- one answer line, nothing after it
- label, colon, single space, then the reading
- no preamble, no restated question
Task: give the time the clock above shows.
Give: 12:37
